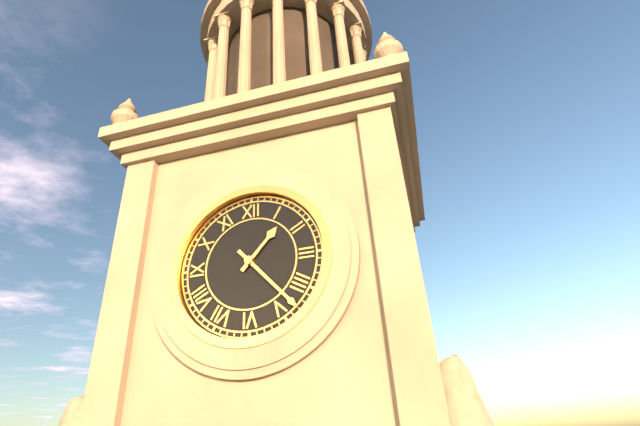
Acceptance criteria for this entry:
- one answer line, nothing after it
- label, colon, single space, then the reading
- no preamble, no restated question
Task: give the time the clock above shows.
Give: 1:23
